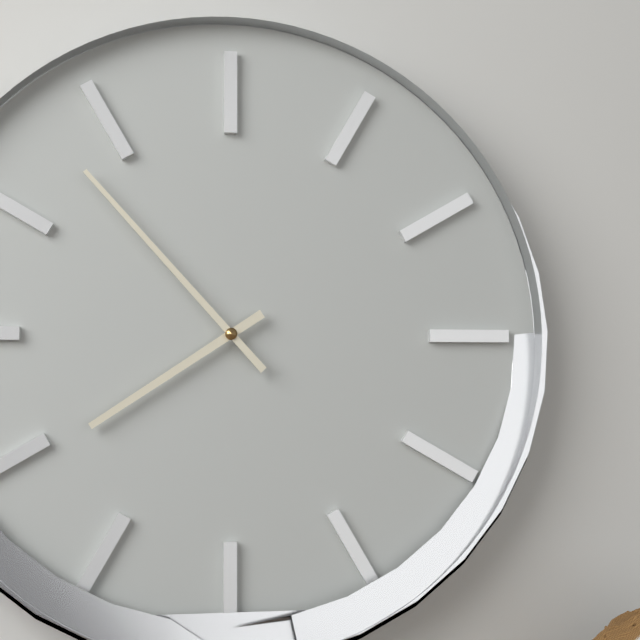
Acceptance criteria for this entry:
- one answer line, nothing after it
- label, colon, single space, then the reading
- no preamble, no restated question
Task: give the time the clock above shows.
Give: 7:53
